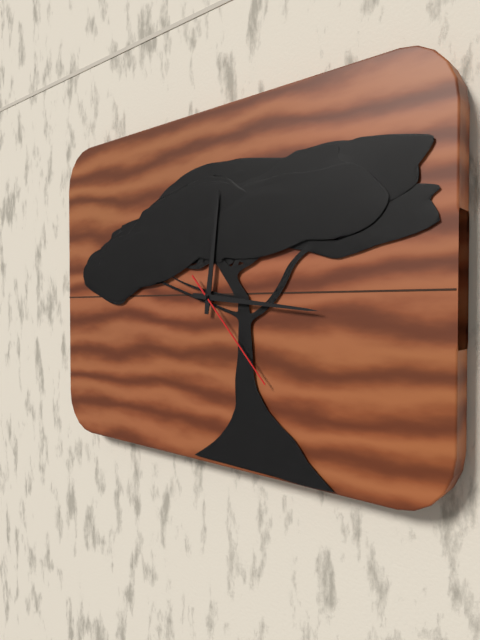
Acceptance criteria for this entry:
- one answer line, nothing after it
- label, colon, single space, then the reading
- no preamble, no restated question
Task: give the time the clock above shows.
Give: 12:16:23
